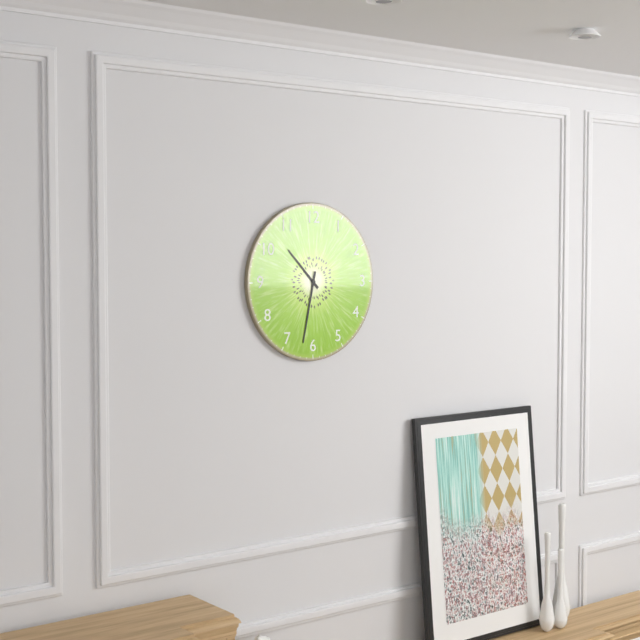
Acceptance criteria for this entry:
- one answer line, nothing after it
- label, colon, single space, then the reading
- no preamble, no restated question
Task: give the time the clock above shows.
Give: 10:32
